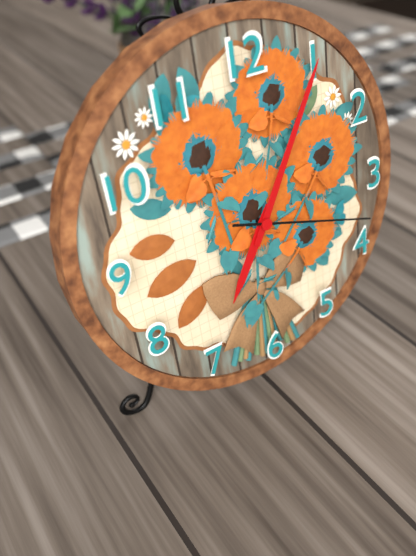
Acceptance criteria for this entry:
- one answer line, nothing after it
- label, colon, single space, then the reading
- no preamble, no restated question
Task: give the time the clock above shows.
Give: 7:05:18
